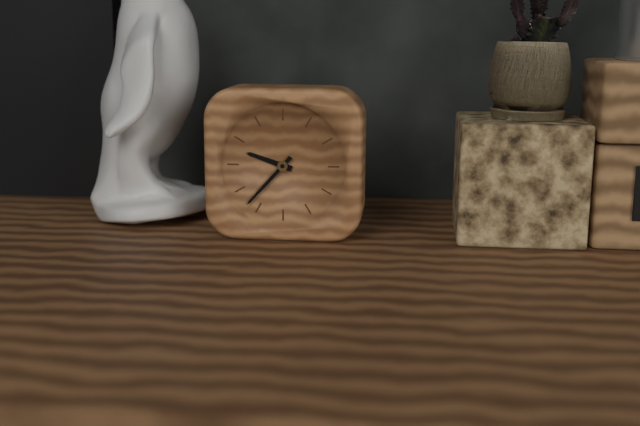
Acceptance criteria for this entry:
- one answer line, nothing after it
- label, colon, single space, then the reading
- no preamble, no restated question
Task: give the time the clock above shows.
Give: 9:37
